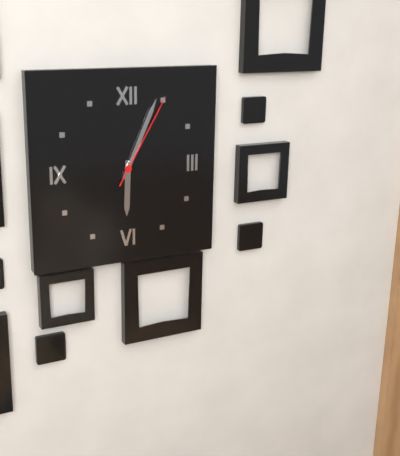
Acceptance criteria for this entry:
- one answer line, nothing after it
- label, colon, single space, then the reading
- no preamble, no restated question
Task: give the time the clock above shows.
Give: 6:04:05
